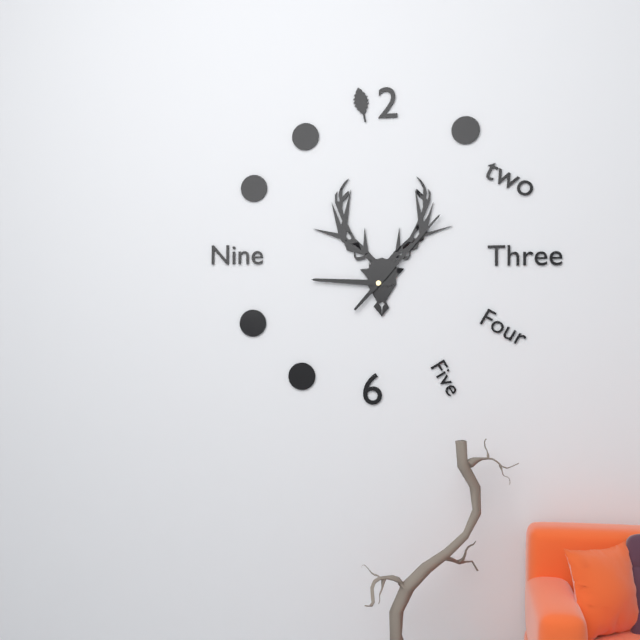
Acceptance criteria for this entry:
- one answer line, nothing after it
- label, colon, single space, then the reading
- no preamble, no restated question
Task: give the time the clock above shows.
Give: 9:07
